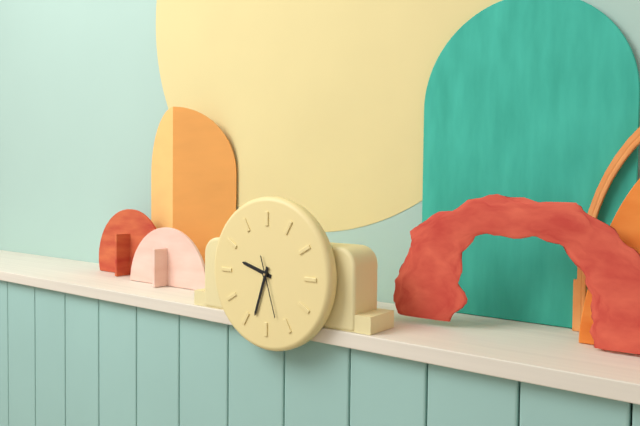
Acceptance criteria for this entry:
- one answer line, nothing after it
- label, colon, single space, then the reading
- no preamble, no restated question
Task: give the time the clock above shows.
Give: 9:33:27
